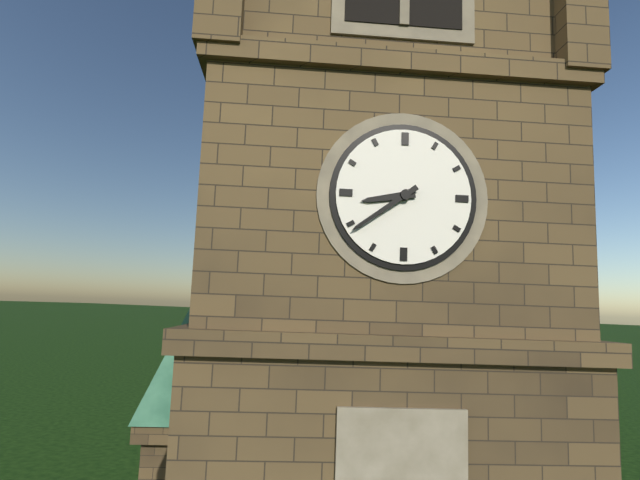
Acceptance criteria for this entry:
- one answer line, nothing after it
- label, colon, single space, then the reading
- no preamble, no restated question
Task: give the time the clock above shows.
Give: 8:39
